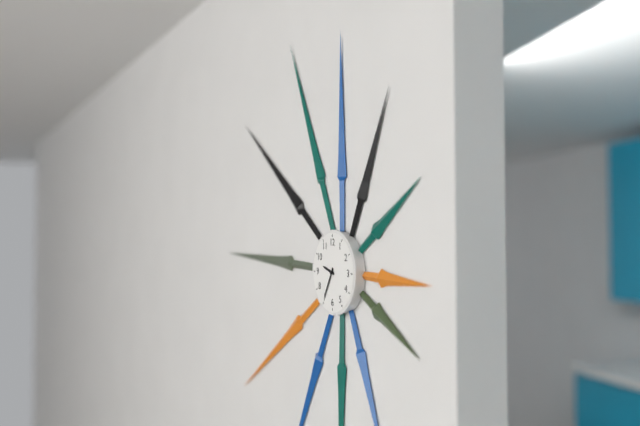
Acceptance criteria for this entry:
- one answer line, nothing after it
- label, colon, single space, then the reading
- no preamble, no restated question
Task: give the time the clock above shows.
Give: 9:35
